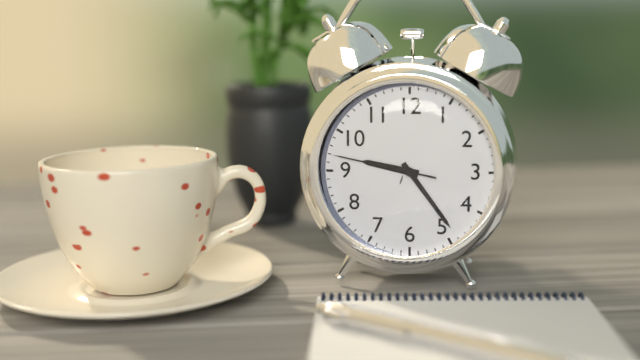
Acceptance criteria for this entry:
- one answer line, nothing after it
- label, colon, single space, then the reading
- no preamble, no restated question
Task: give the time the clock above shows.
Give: 9:24:47
